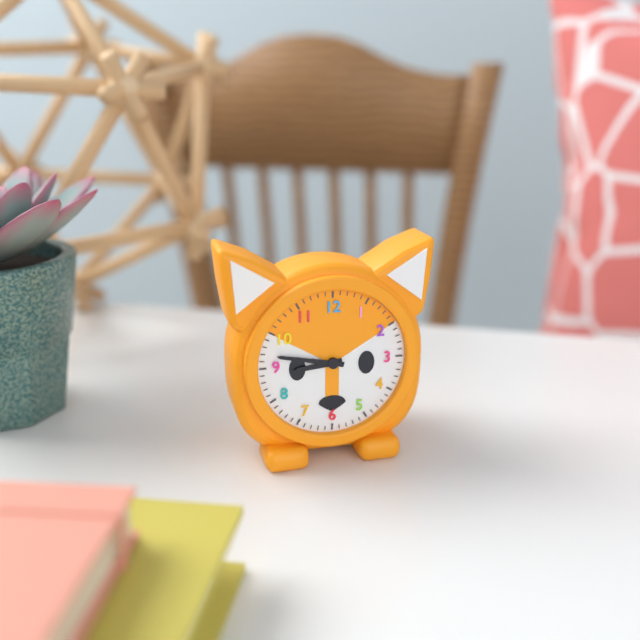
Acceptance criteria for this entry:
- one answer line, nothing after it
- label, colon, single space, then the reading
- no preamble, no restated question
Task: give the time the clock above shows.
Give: 8:47
